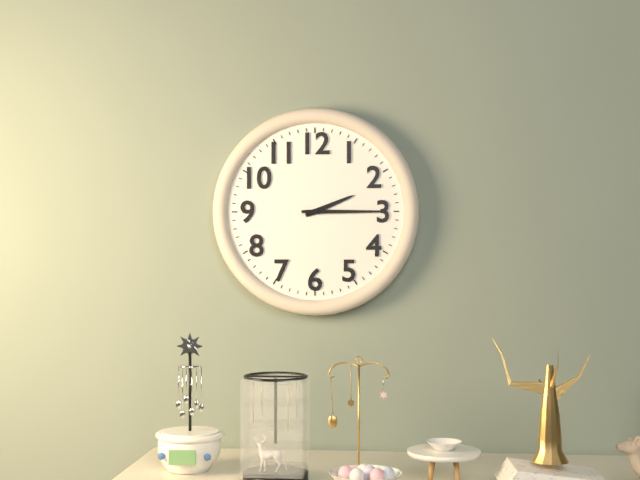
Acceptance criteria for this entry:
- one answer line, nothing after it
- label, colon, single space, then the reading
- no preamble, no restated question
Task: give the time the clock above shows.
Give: 2:15
